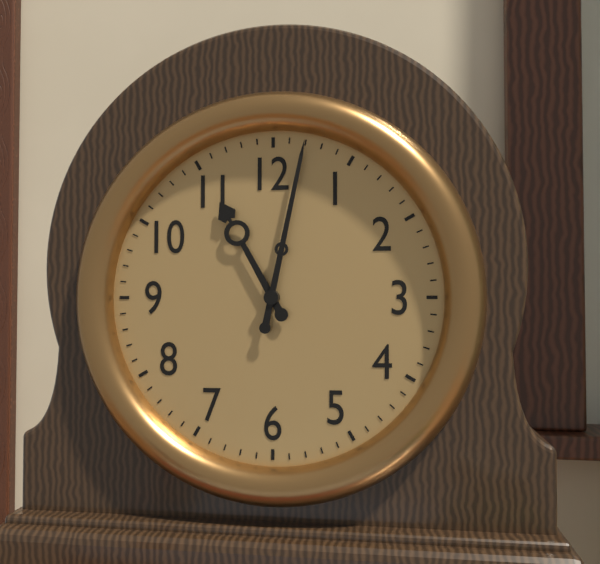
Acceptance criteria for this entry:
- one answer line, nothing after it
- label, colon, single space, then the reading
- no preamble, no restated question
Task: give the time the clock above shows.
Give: 11:02
